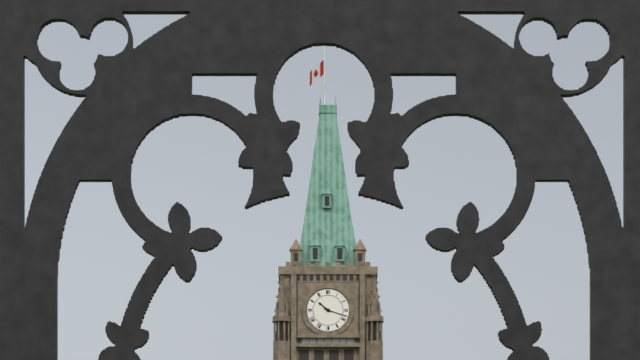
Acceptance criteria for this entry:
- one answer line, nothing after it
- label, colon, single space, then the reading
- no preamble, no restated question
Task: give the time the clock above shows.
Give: 10:18
